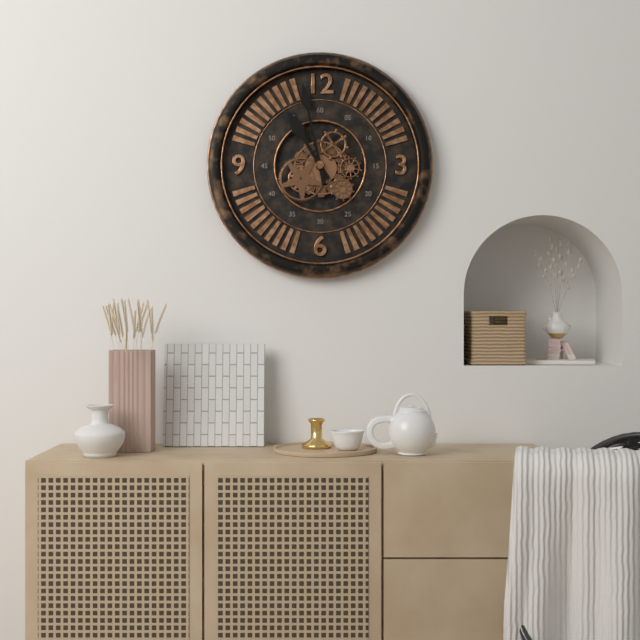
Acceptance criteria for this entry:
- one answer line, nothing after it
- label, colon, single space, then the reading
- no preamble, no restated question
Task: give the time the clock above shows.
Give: 10:58
